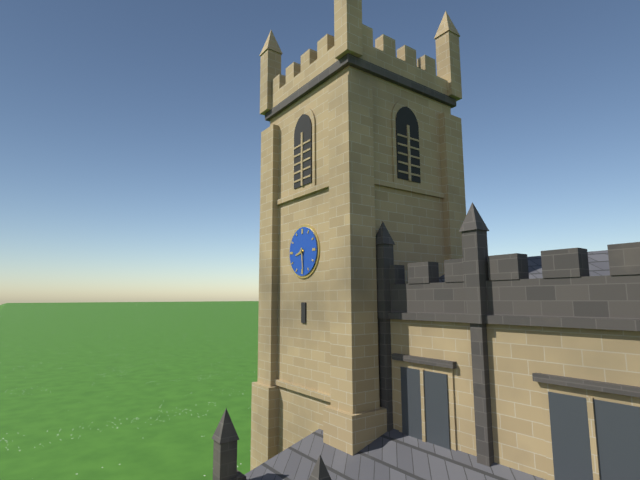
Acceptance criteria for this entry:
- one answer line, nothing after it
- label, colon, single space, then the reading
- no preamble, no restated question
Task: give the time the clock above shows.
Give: 8:29
